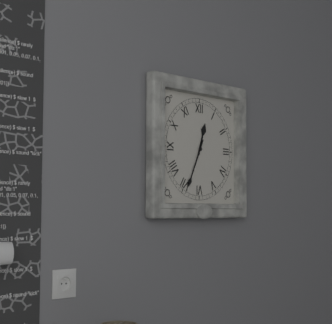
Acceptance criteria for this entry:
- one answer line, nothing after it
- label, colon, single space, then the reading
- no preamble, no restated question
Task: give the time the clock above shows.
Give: 12:34
